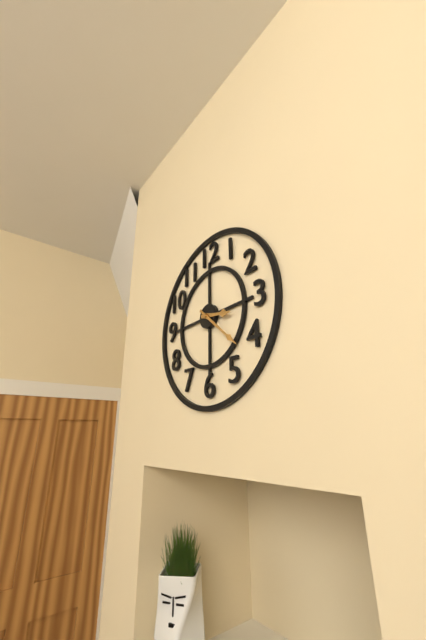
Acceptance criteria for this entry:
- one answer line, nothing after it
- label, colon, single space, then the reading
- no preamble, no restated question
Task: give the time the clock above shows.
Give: 3:22
